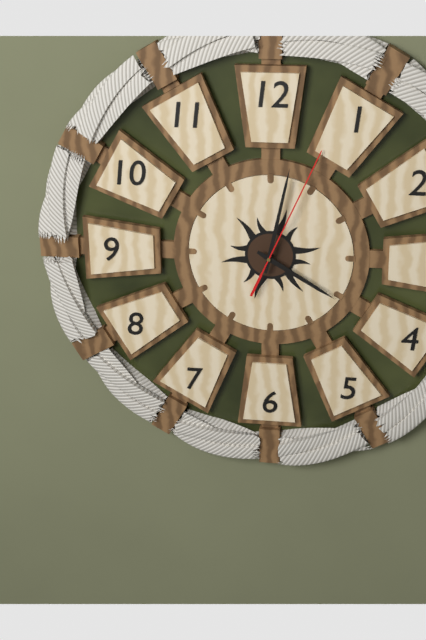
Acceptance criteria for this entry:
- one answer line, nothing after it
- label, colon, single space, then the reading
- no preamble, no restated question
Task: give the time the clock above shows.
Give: 4:02:04
